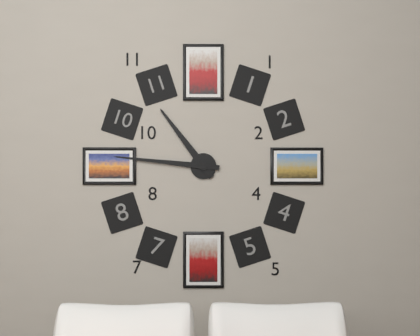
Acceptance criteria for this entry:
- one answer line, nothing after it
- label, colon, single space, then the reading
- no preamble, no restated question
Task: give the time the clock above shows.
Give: 10:46
